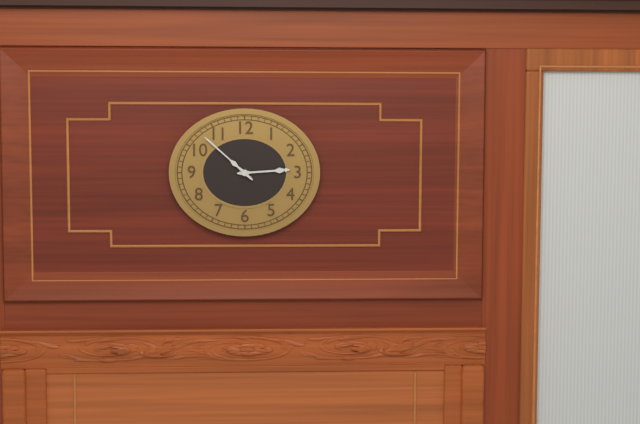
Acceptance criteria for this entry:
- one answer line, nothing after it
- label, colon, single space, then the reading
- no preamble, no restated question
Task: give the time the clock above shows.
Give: 2:52
